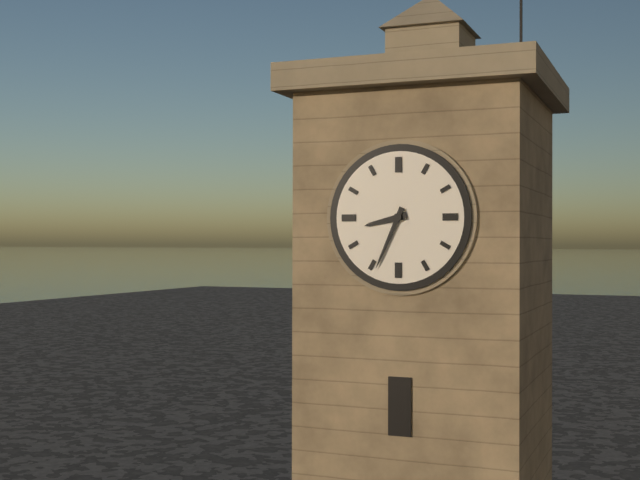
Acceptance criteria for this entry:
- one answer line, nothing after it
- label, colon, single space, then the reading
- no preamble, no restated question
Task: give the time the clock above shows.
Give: 8:34
